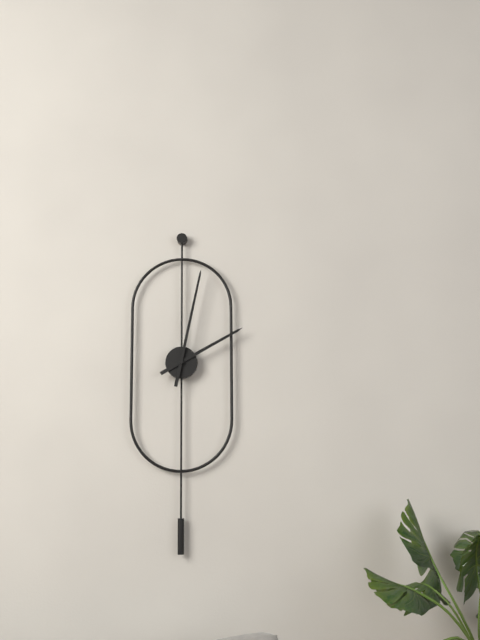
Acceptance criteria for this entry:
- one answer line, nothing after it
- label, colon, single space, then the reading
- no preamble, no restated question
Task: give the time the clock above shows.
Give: 2:02
